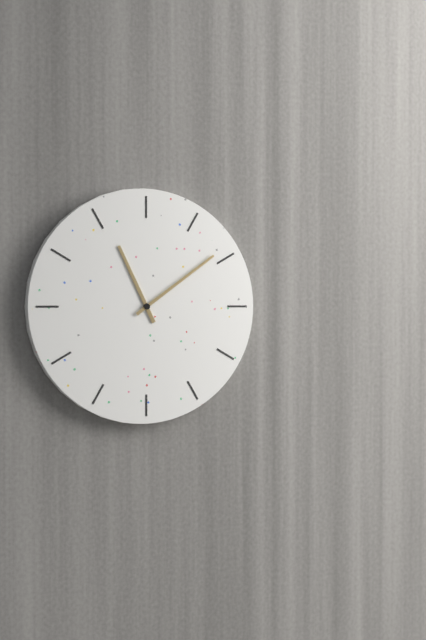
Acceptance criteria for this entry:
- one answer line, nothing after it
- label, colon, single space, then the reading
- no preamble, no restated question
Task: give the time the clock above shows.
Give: 11:09
